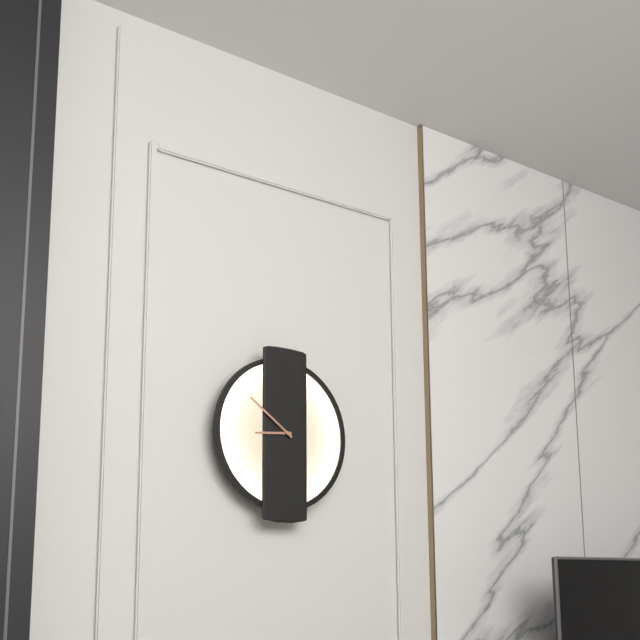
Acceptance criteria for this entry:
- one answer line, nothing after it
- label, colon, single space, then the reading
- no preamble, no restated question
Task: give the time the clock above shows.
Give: 8:51
